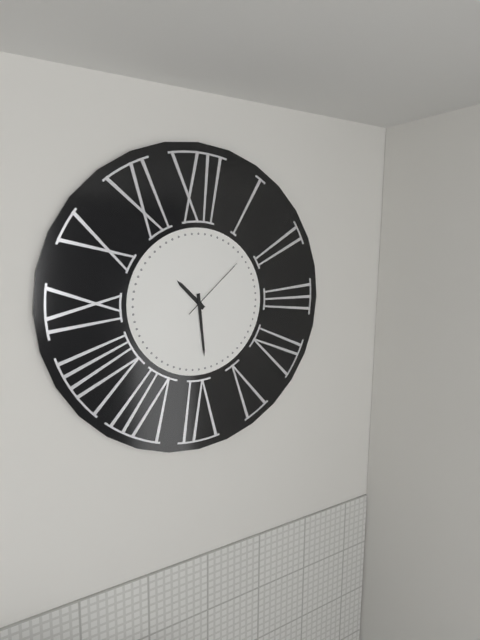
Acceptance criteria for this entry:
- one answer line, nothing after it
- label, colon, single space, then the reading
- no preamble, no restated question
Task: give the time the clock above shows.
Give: 10:29:08
